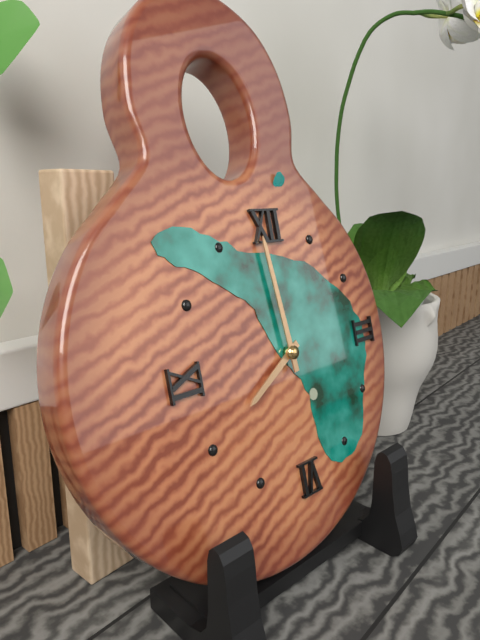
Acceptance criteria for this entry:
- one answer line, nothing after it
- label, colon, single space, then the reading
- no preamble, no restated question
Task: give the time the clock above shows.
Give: 7:59
